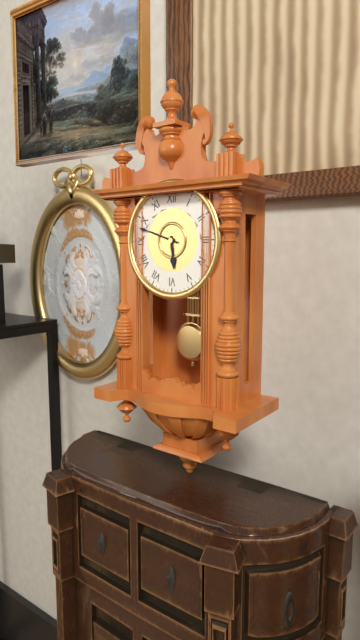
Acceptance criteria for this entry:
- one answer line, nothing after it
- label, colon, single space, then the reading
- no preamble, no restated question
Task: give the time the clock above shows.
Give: 5:48
